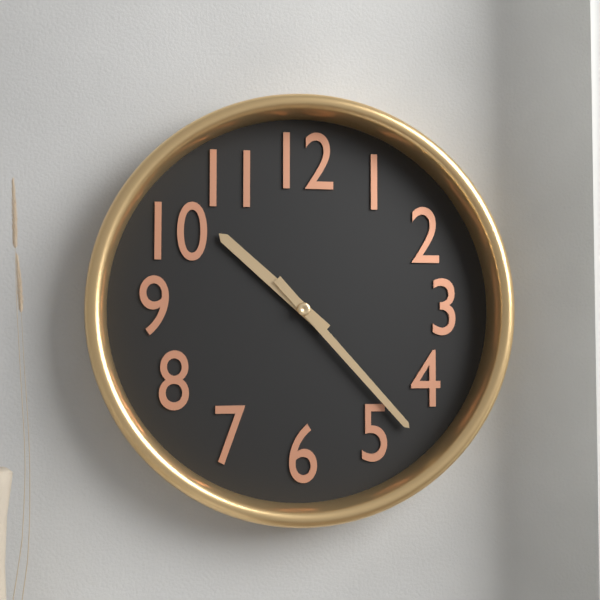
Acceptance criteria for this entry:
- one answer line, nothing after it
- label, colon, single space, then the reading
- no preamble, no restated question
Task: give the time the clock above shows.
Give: 10:23
